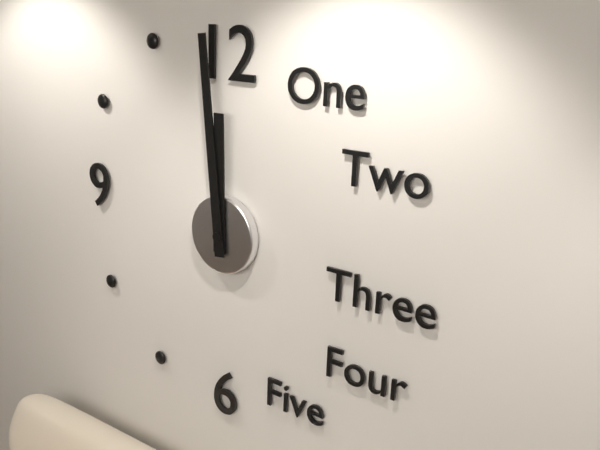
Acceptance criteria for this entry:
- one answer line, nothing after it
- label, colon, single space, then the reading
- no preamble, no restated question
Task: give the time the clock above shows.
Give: 11:59
